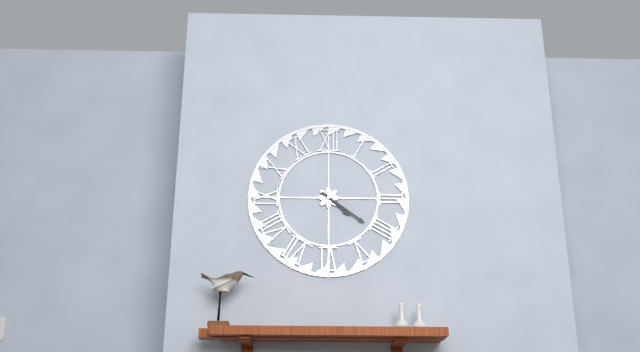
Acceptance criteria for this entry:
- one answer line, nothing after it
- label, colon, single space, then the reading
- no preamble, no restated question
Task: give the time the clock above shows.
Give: 4:21
